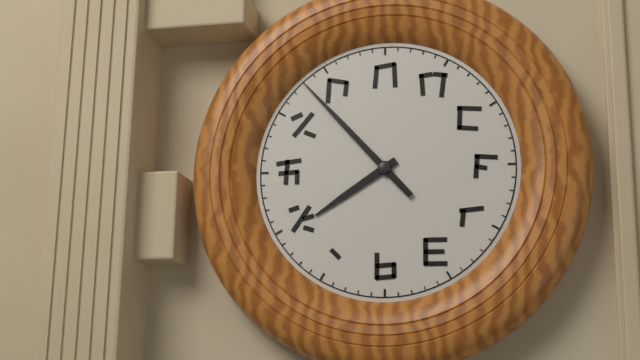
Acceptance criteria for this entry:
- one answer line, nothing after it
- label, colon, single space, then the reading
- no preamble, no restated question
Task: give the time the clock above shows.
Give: 7:53
